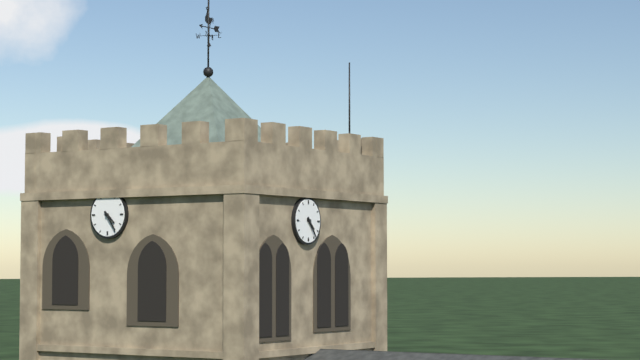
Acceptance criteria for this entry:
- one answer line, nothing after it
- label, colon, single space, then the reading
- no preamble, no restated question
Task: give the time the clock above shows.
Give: 4:24
